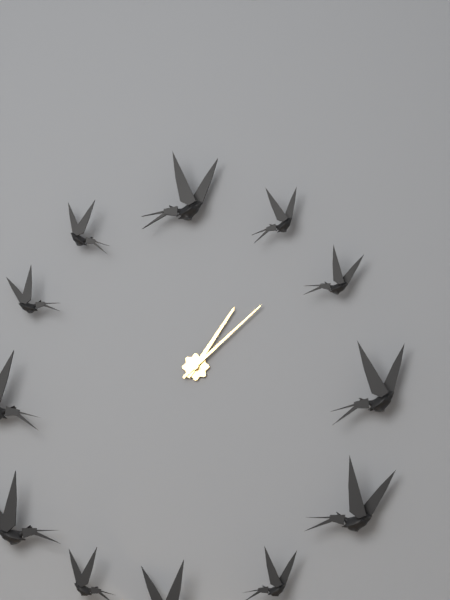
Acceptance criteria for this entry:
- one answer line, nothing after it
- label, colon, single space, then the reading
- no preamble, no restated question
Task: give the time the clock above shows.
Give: 1:08
